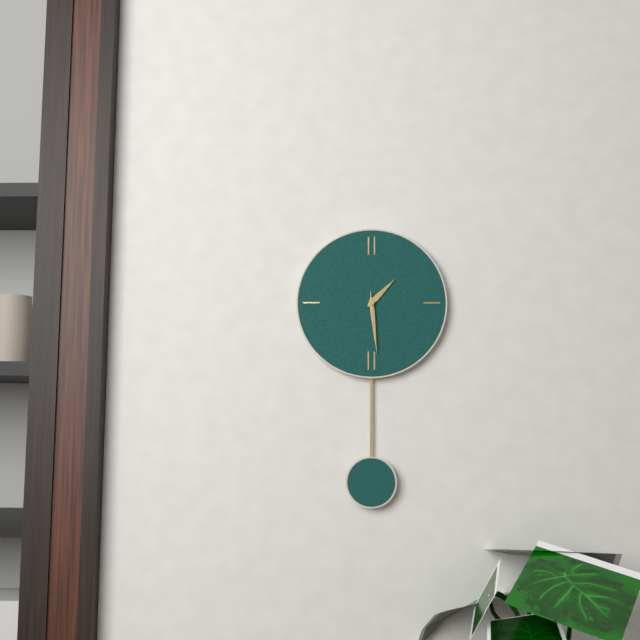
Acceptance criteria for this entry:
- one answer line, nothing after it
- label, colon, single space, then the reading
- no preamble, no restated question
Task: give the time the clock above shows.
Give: 1:29:29
